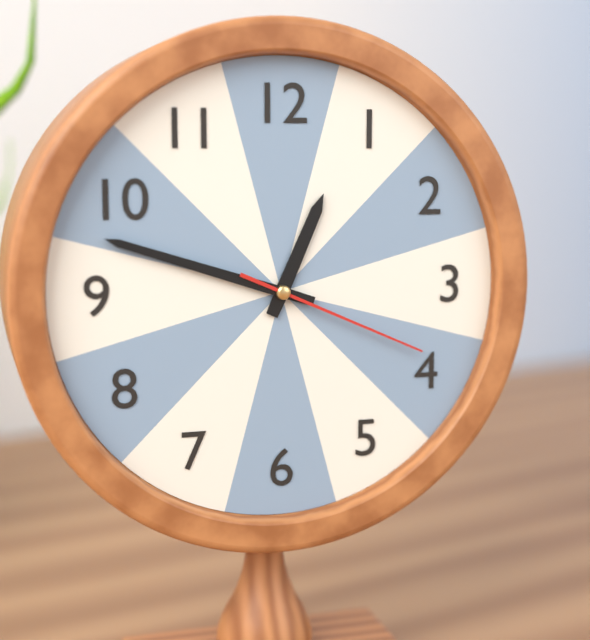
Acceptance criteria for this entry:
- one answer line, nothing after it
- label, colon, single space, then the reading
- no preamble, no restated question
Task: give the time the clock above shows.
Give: 12:48:19
